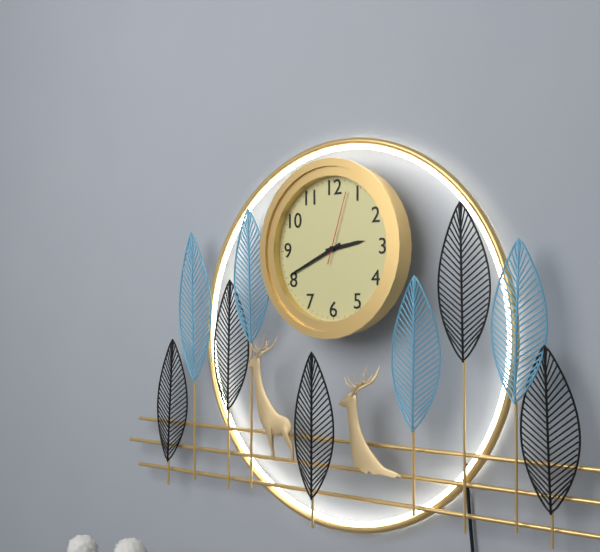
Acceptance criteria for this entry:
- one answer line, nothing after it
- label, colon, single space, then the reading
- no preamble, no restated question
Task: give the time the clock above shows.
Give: 2:41:03
